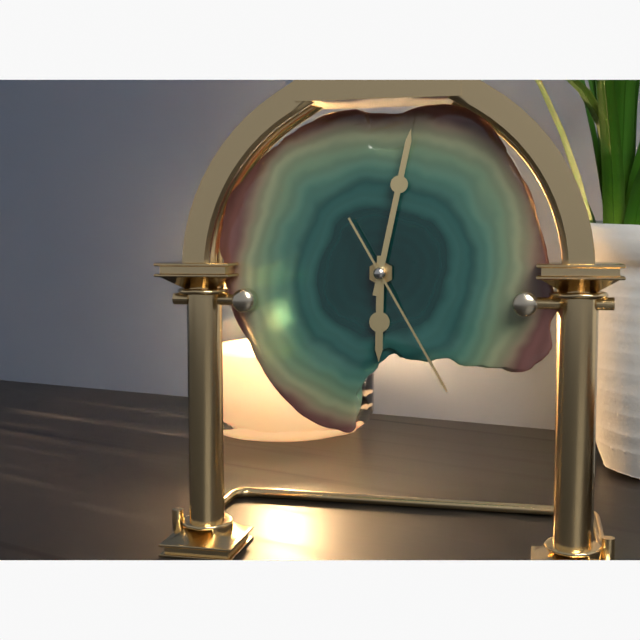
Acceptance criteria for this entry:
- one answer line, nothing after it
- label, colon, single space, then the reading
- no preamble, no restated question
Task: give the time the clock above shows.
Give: 6:02:25
